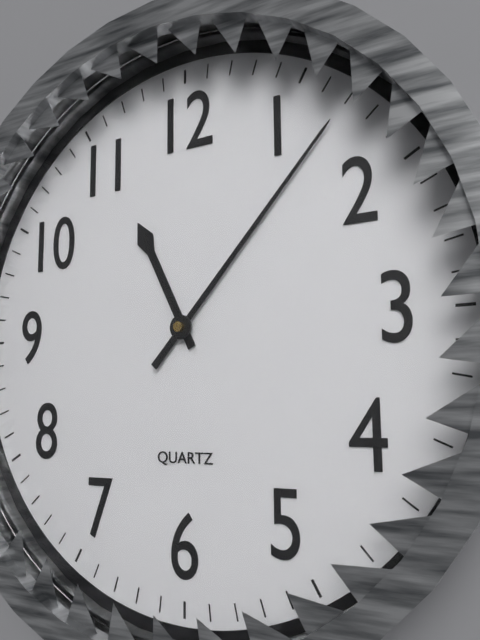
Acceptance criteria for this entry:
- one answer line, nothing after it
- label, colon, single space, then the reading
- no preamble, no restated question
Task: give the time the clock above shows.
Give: 11:07
